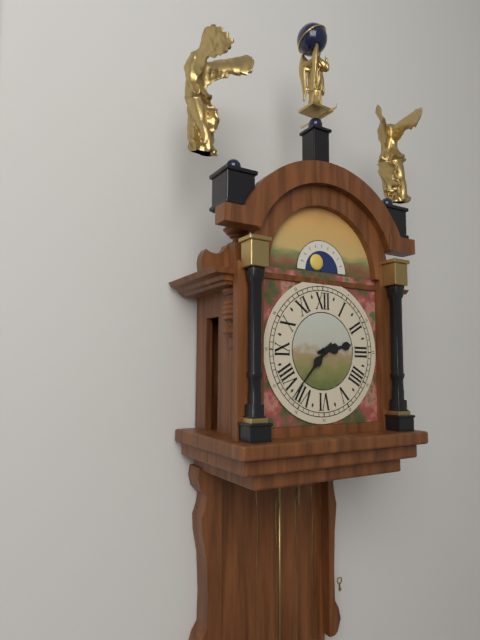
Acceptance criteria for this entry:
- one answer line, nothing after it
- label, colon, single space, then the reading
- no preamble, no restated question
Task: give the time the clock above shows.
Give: 2:37
